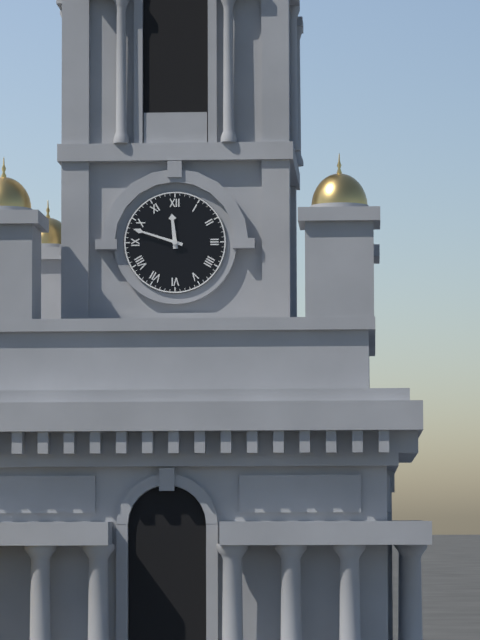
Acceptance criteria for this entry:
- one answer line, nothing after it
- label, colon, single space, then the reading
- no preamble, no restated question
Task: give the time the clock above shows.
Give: 11:48
